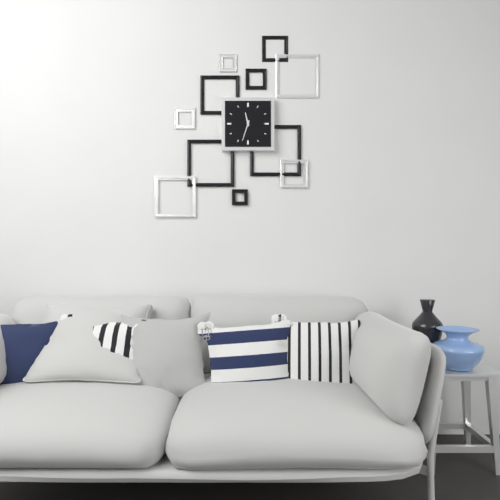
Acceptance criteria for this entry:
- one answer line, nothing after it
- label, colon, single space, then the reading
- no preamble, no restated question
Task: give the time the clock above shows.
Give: 11:33
